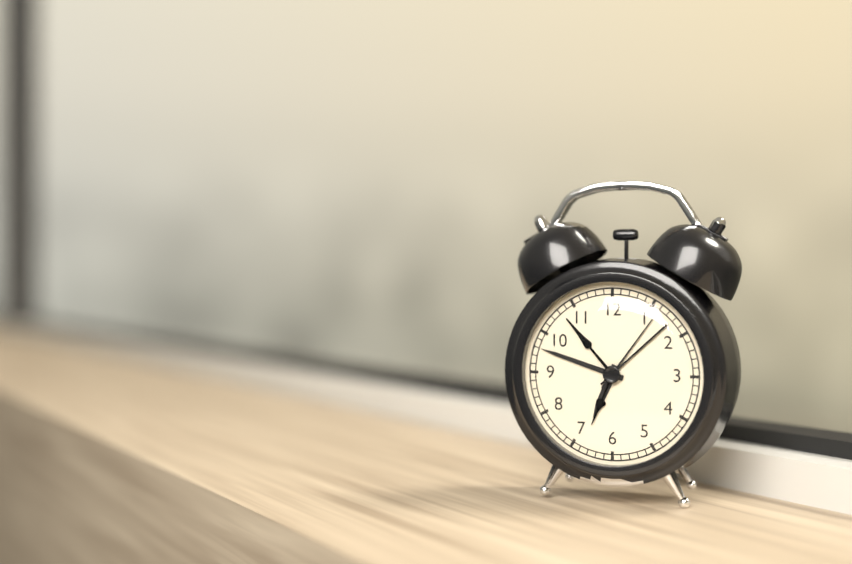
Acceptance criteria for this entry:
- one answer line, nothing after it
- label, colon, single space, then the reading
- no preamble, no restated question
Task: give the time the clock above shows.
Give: 6:48:06
